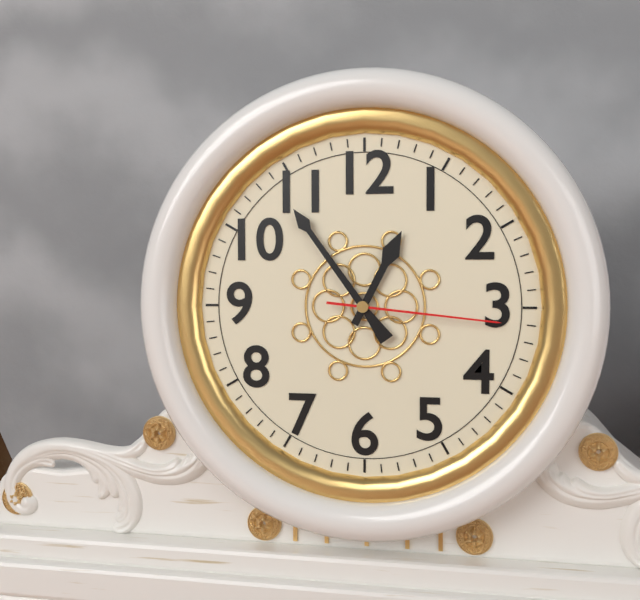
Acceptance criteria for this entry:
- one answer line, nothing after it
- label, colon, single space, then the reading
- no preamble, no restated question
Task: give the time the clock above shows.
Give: 12:54:16
